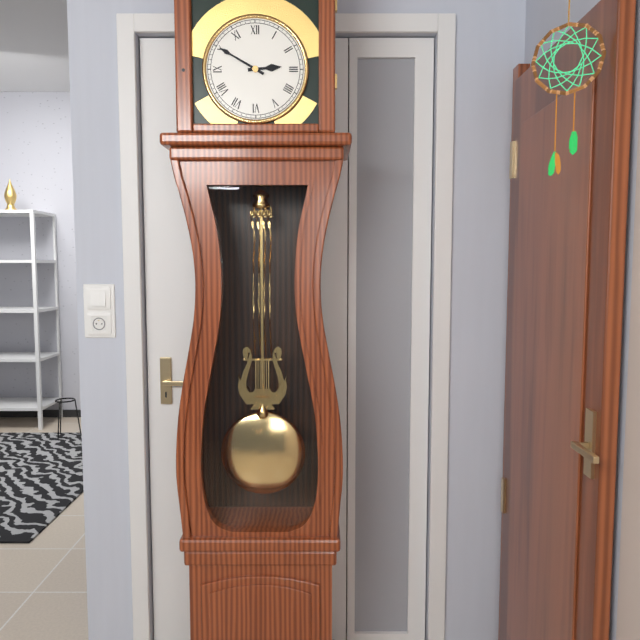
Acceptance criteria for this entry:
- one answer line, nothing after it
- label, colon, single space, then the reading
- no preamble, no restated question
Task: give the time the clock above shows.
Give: 2:50
